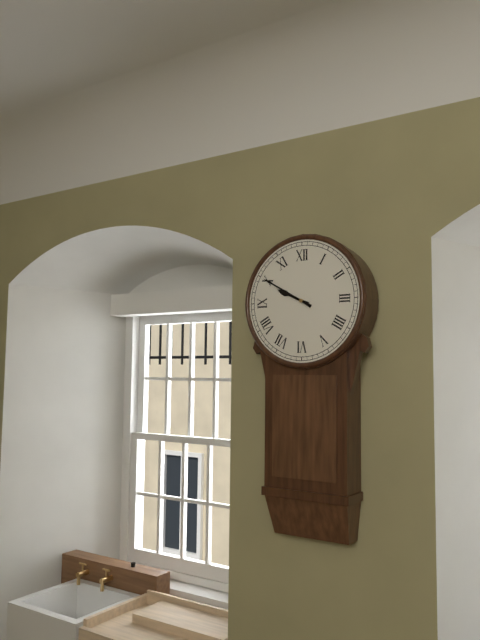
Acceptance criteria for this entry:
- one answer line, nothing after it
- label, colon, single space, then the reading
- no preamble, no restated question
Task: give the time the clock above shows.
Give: 9:50
